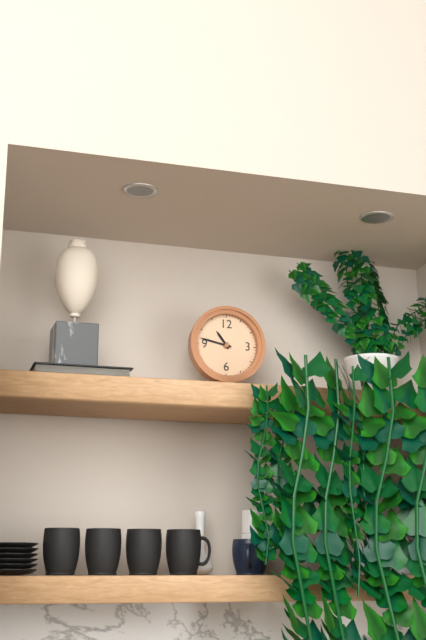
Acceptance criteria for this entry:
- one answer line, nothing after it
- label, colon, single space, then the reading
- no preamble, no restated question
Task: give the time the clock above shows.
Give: 10:47
